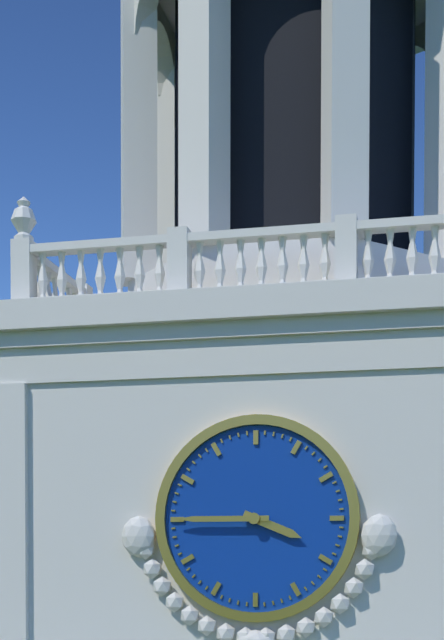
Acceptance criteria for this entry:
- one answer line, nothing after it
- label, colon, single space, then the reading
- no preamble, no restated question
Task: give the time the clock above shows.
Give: 3:45
